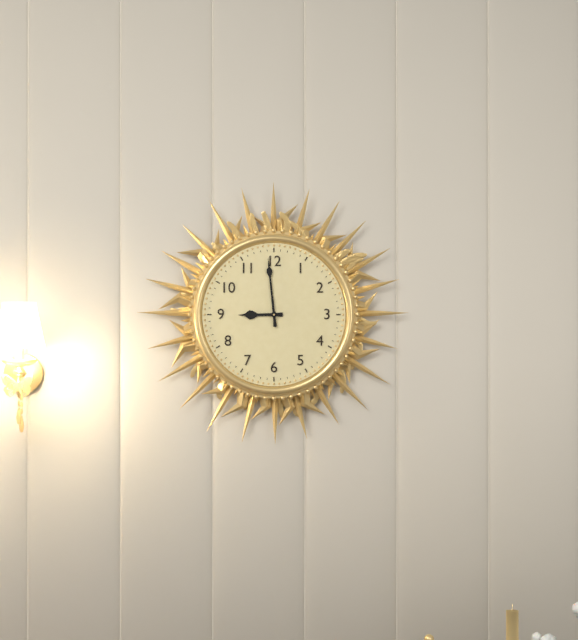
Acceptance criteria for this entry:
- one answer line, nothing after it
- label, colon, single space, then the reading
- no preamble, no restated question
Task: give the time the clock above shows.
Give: 8:59
